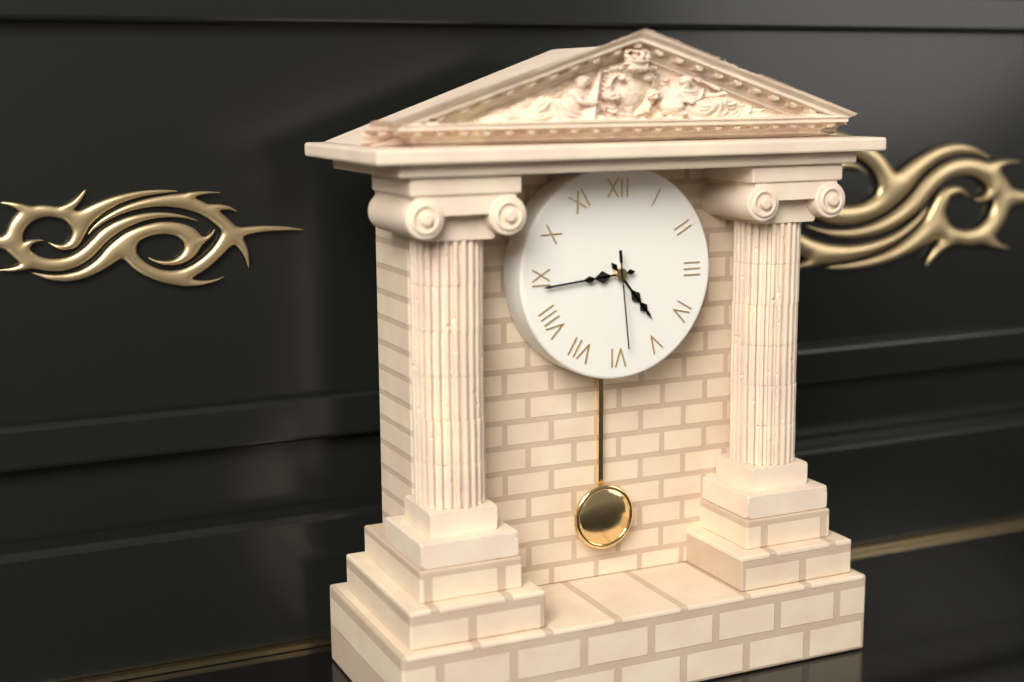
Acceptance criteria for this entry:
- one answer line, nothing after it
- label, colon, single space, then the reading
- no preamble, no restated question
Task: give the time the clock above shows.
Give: 4:44:29
